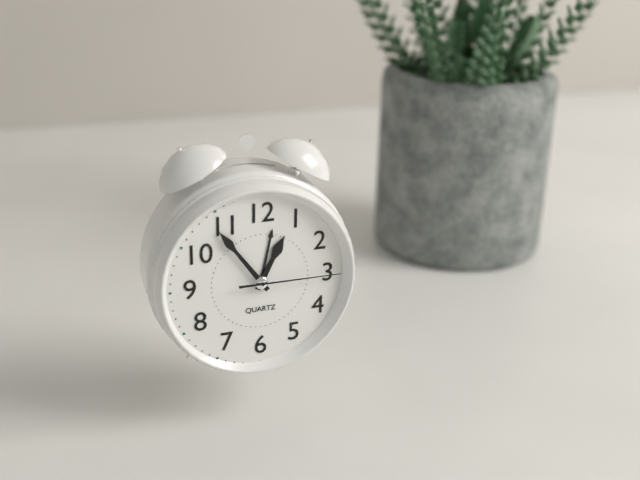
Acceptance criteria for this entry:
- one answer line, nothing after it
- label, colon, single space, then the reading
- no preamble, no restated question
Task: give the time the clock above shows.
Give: 12:54:15
